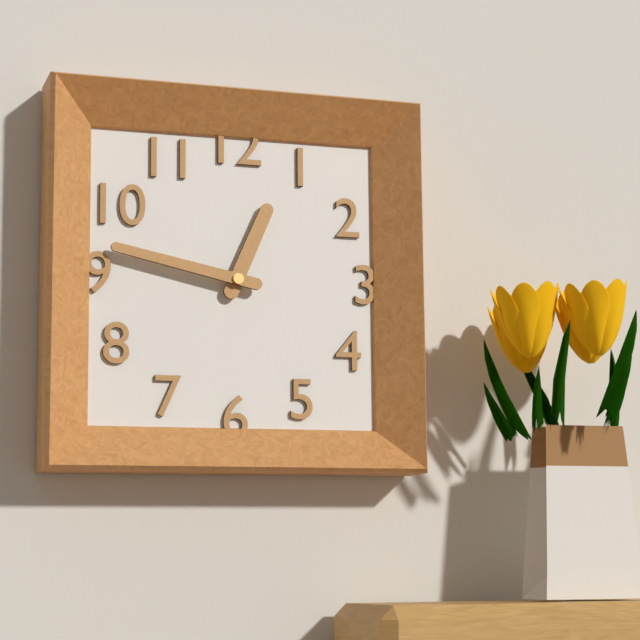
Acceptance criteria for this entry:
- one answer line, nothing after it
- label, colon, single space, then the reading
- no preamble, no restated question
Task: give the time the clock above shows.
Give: 12:47
